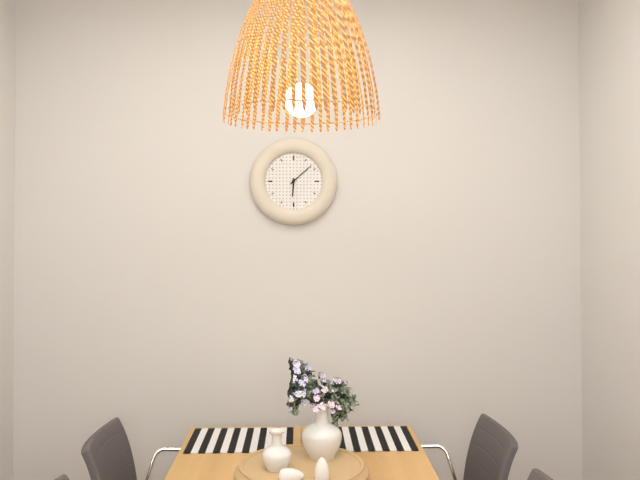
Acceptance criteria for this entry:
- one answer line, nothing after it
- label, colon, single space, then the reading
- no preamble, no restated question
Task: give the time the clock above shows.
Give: 6:08
